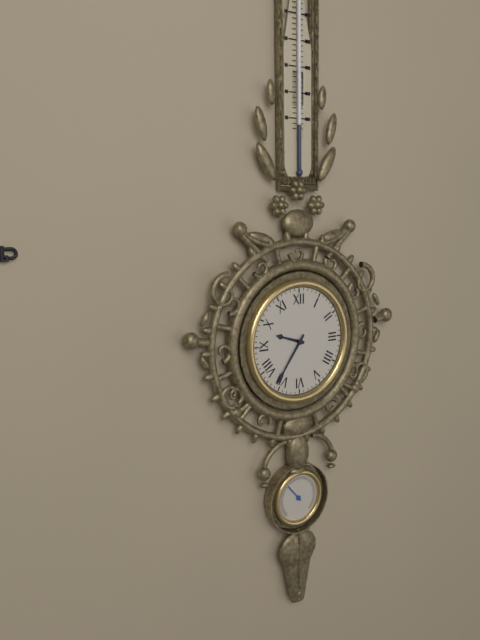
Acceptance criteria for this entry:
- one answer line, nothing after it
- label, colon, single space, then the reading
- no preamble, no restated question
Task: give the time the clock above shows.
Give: 9:36
